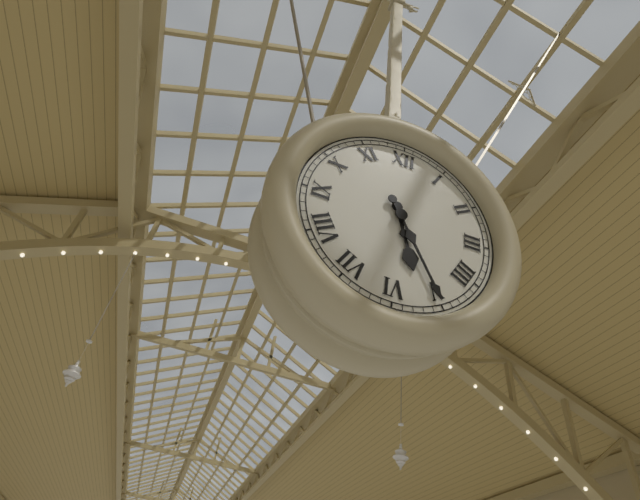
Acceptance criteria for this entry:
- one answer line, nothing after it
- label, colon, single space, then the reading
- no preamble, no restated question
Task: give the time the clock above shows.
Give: 5:25
